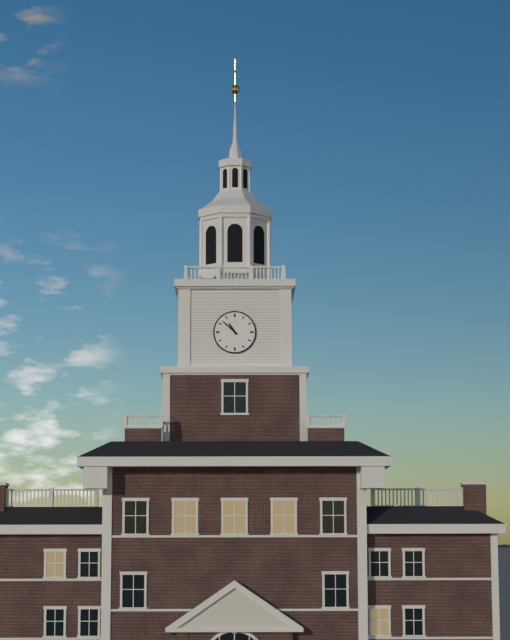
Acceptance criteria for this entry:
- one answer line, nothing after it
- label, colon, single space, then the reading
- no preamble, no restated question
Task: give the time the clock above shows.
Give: 10:52
